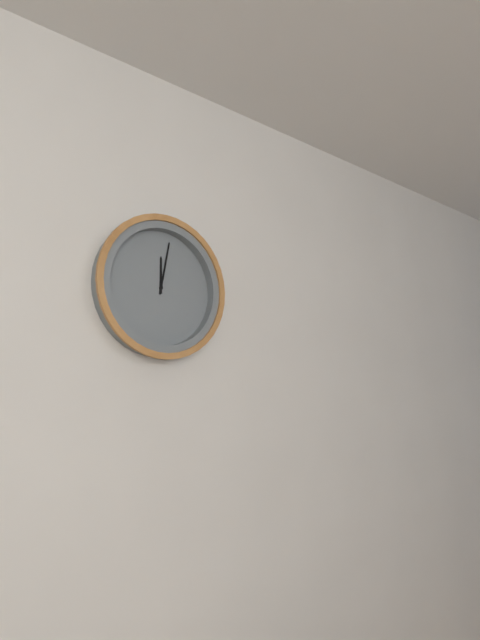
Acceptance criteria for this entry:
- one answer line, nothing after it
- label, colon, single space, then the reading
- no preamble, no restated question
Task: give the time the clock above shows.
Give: 12:02
